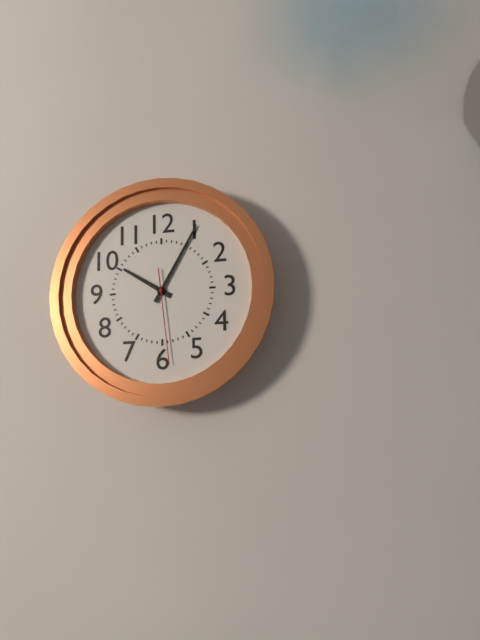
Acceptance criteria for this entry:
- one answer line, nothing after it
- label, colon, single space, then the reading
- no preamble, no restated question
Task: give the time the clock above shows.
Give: 10:05:29
